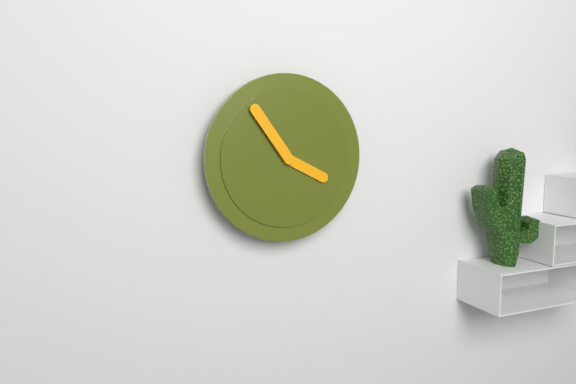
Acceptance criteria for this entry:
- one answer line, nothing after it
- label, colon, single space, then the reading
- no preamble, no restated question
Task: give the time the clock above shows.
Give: 3:54
